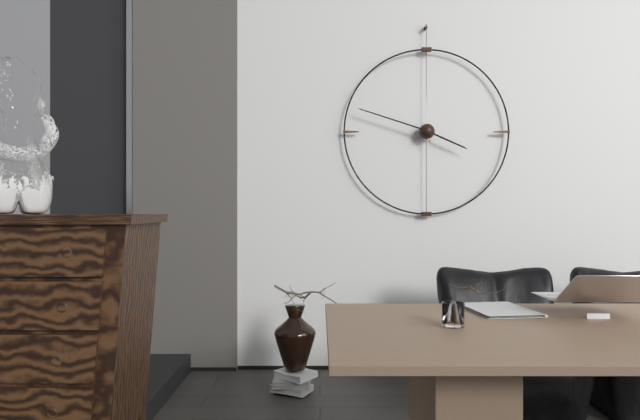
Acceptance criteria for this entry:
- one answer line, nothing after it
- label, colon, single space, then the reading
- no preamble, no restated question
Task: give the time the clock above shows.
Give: 3:48
